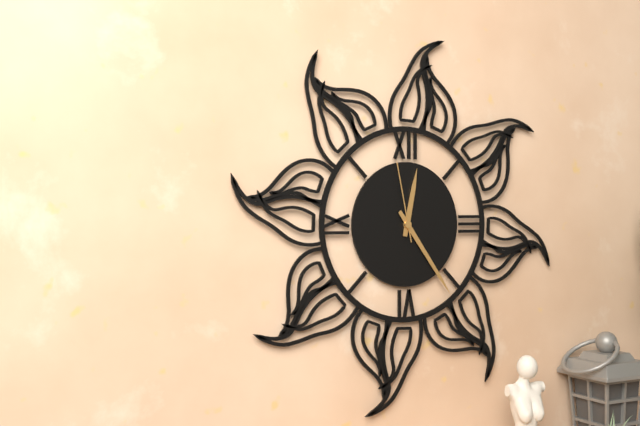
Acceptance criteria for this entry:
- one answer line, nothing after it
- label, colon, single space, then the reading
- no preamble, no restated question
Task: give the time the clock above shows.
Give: 12:24:58
